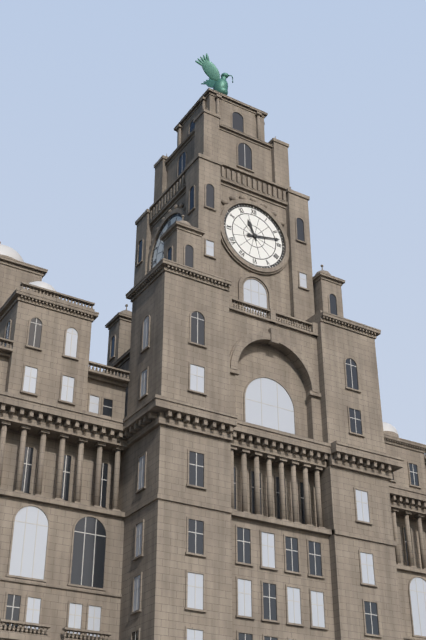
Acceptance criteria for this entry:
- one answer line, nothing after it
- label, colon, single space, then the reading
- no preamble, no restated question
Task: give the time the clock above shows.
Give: 11:13
